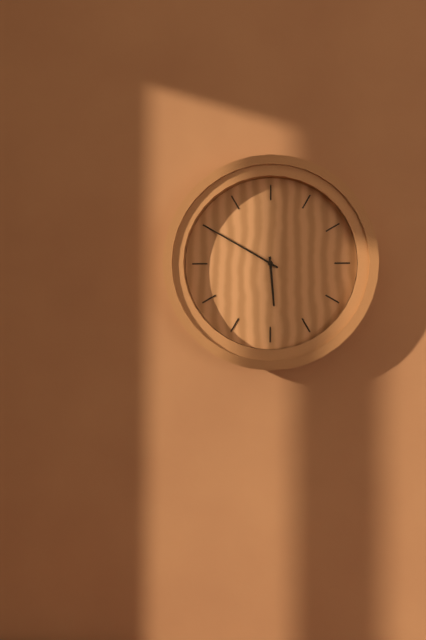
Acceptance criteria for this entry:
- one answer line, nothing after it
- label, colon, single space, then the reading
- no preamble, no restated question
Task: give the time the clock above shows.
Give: 5:50
